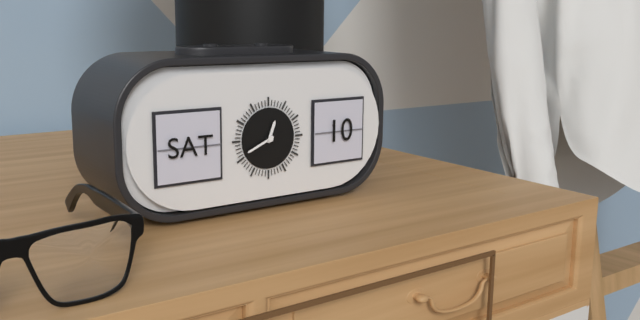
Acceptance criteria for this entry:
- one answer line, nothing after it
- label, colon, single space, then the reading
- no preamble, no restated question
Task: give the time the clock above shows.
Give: 12:41
